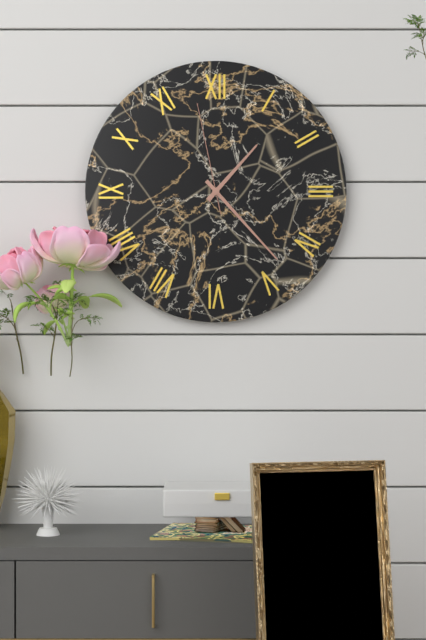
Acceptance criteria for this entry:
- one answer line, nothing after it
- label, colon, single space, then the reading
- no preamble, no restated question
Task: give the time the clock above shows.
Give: 1:23:58
